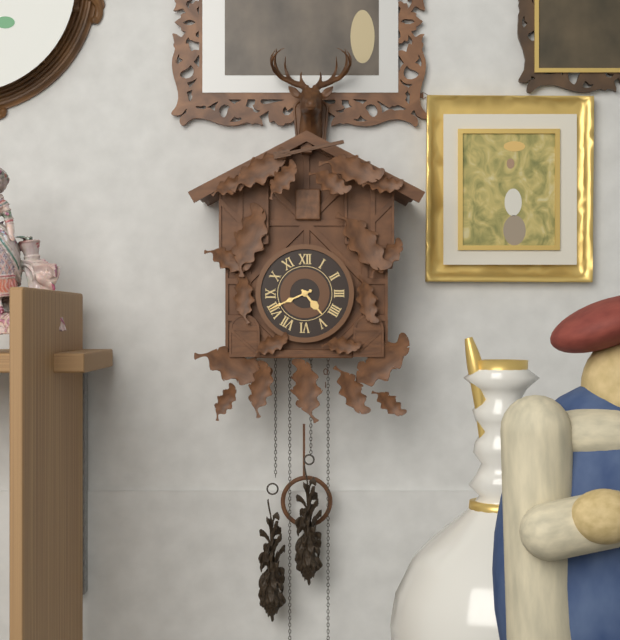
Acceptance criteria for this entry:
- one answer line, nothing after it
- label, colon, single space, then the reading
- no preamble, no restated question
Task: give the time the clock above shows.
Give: 4:41
